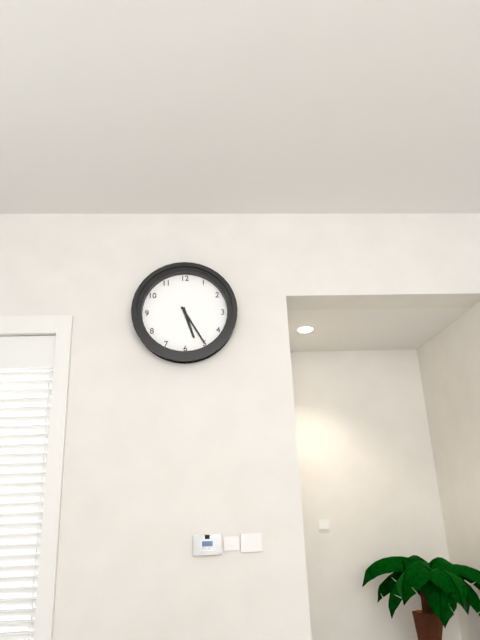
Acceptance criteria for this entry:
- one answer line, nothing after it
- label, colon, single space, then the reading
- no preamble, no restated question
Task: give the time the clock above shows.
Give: 5:25
